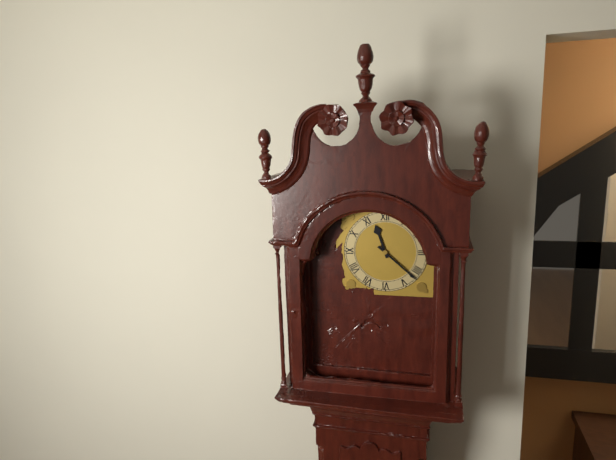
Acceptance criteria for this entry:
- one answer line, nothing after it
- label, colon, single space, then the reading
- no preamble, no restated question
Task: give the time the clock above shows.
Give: 11:22
